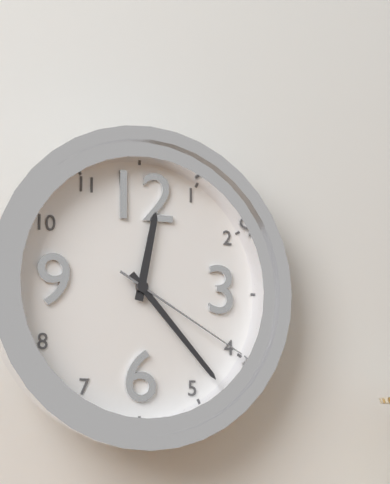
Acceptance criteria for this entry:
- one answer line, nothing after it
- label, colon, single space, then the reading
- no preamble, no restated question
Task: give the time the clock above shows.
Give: 12:23:20
